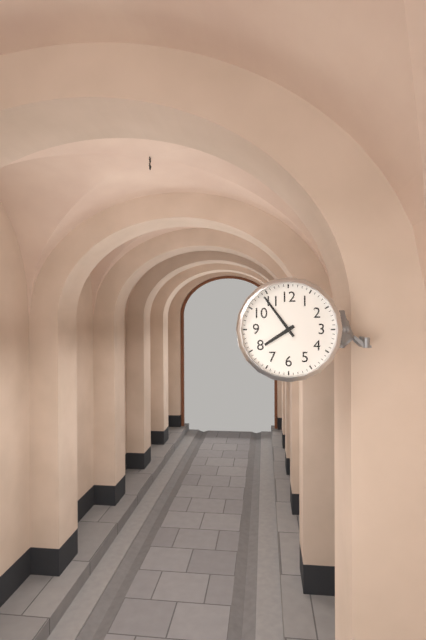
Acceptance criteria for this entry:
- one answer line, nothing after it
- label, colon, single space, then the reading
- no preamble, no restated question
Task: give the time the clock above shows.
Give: 7:54
